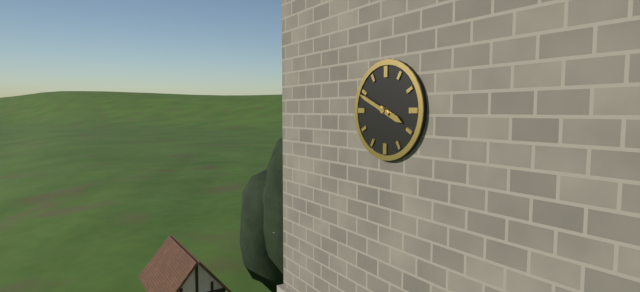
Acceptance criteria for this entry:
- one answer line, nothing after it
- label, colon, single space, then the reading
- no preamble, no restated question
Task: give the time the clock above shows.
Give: 3:49
